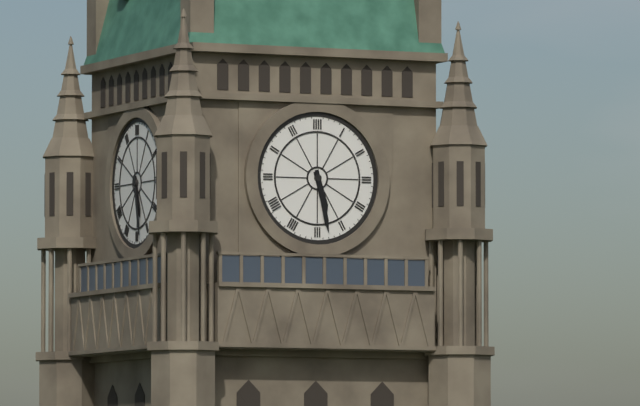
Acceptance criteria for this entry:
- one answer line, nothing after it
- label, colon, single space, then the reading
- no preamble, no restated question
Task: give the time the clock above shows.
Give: 5:28
